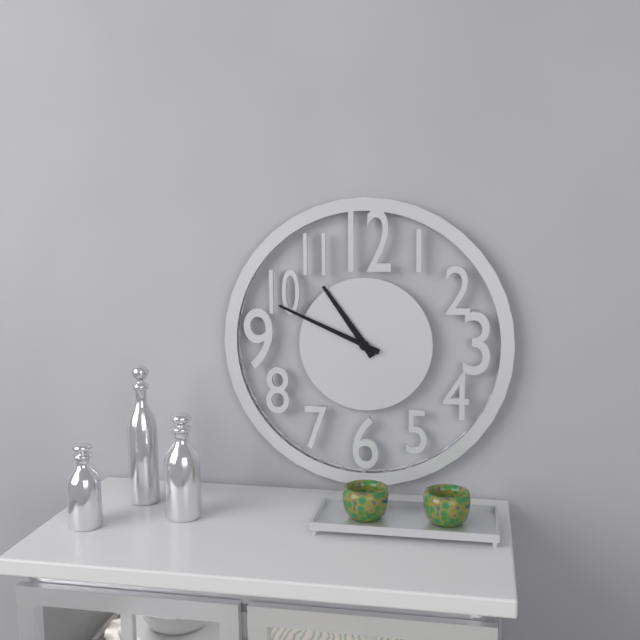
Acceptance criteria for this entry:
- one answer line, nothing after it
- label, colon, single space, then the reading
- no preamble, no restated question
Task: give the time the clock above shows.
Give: 10:49
